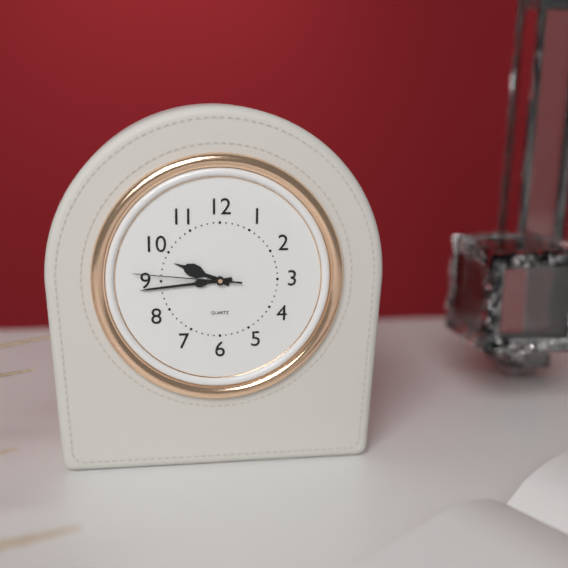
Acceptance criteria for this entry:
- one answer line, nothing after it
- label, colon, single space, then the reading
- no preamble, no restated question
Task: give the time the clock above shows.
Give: 9:44:46
